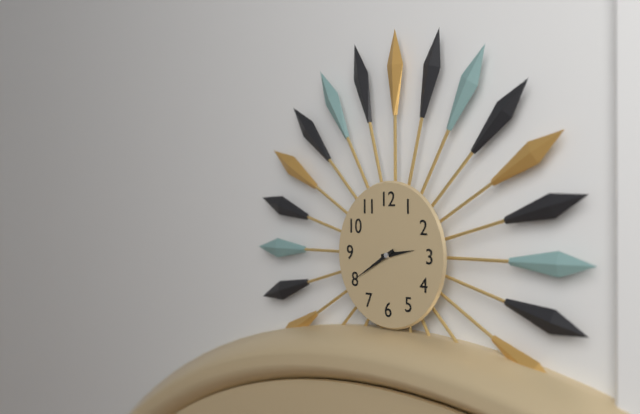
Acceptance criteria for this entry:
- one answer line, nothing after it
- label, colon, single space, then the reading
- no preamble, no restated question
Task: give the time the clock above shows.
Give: 2:40
